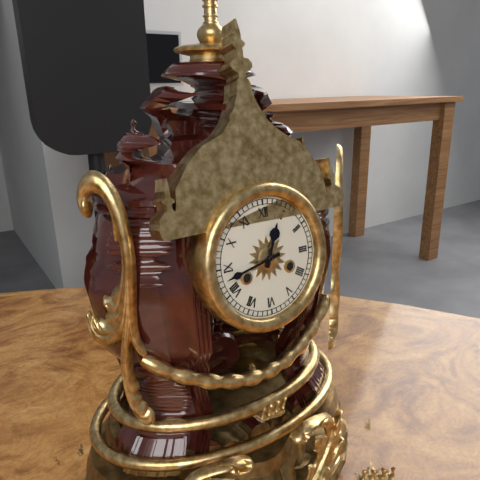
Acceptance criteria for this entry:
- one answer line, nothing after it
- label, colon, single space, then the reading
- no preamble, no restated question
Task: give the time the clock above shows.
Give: 12:43
